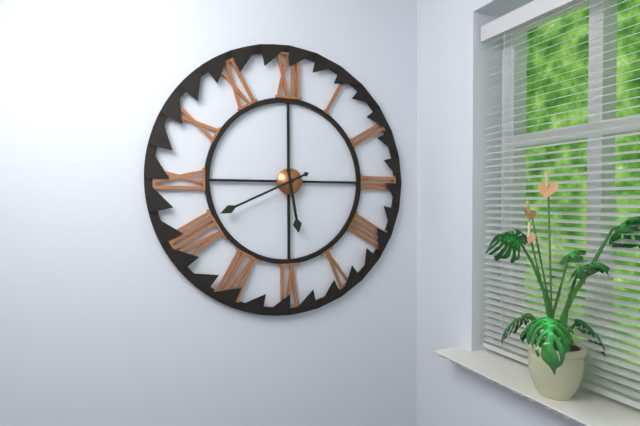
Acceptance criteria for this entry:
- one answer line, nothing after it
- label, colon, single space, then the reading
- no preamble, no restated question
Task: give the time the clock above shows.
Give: 5:41
